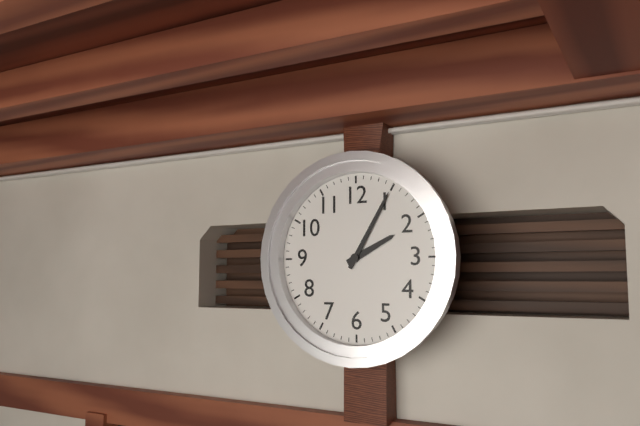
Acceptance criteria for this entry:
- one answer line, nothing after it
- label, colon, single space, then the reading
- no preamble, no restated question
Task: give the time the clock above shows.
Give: 2:05
